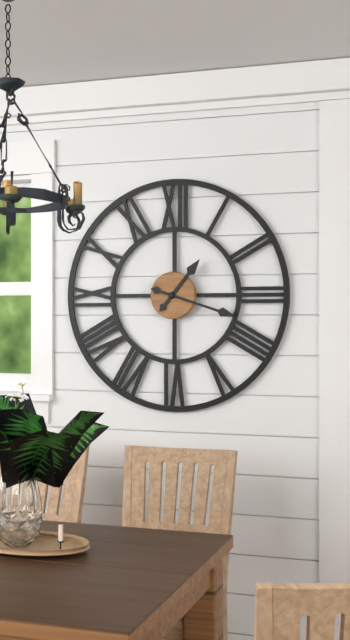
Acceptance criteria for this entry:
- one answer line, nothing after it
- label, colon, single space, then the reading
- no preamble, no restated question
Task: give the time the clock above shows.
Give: 1:18
